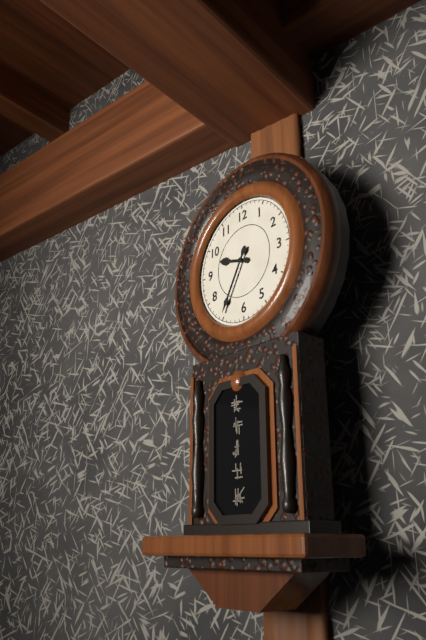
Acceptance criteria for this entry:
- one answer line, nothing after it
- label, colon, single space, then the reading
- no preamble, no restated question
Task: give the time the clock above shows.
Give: 9:35
